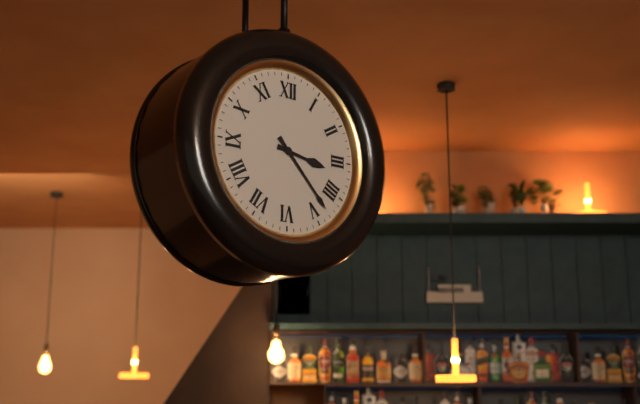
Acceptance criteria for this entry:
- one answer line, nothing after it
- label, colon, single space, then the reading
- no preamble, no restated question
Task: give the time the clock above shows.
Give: 3:23
